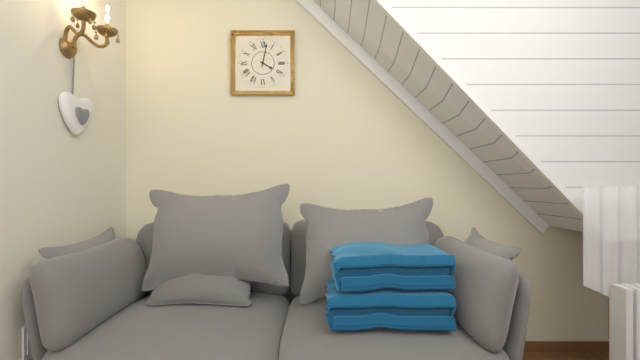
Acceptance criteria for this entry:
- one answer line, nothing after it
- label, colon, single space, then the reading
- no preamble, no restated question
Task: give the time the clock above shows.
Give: 4:02
